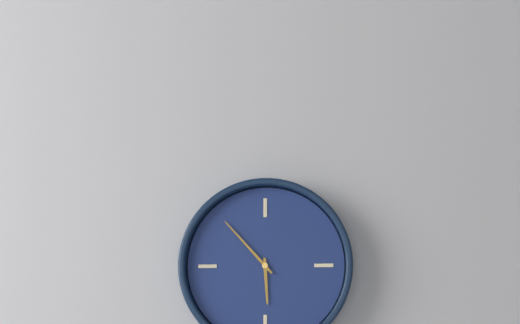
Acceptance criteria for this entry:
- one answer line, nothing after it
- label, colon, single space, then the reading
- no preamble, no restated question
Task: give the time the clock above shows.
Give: 5:53
